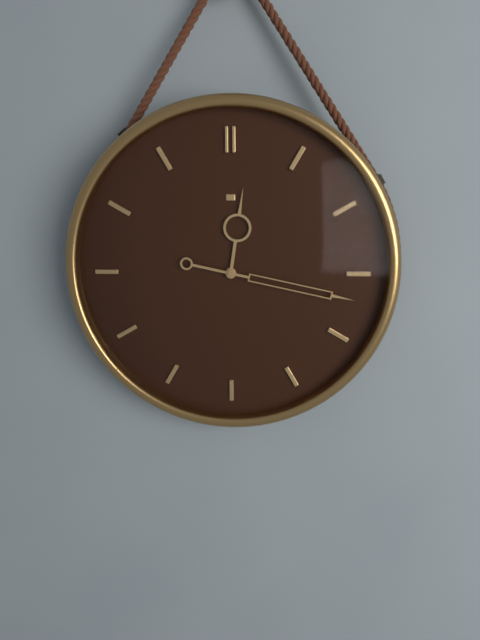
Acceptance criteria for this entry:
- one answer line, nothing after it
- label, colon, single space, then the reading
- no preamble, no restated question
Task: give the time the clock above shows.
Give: 12:17
